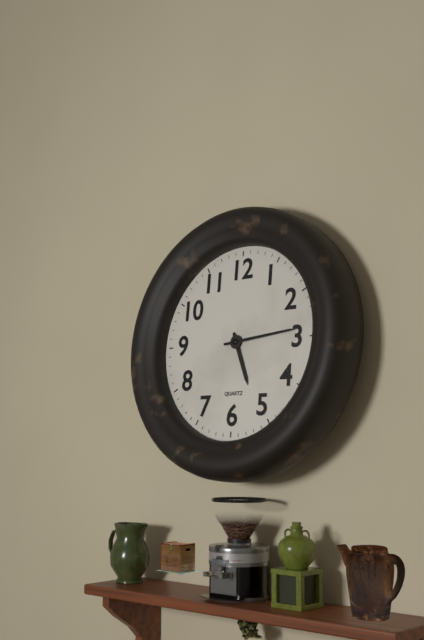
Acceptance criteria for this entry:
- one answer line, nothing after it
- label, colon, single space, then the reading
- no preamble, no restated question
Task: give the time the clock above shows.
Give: 5:14
